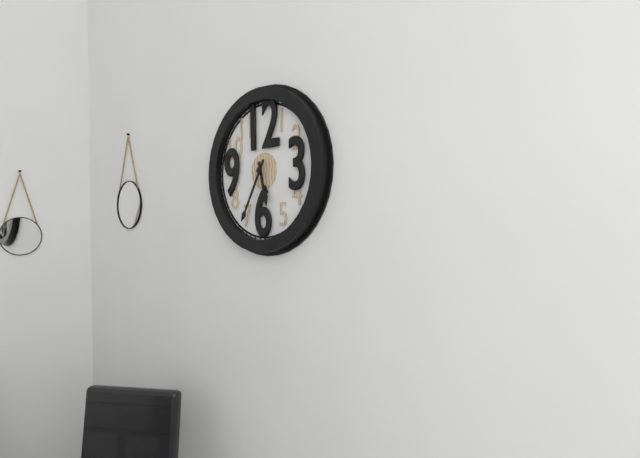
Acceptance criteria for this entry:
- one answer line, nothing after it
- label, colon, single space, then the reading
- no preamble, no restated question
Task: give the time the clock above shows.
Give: 5:35
